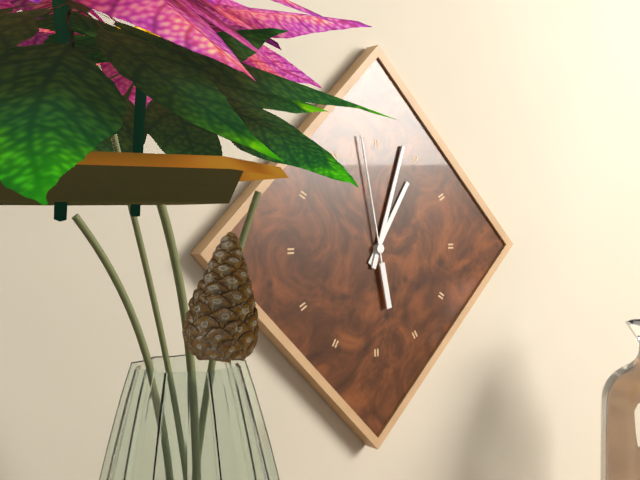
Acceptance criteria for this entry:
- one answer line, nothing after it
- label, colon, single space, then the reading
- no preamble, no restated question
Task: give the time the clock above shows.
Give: 1:03:58
